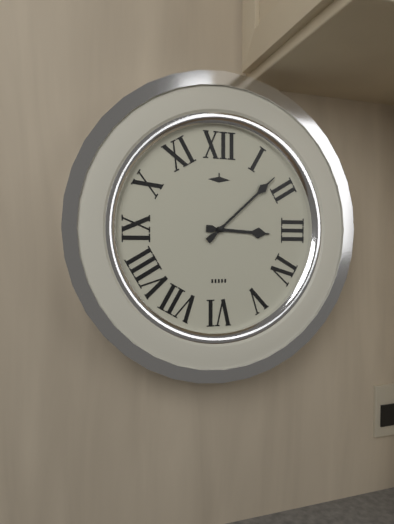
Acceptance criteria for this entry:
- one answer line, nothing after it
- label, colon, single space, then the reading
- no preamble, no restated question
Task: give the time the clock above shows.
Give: 3:08
